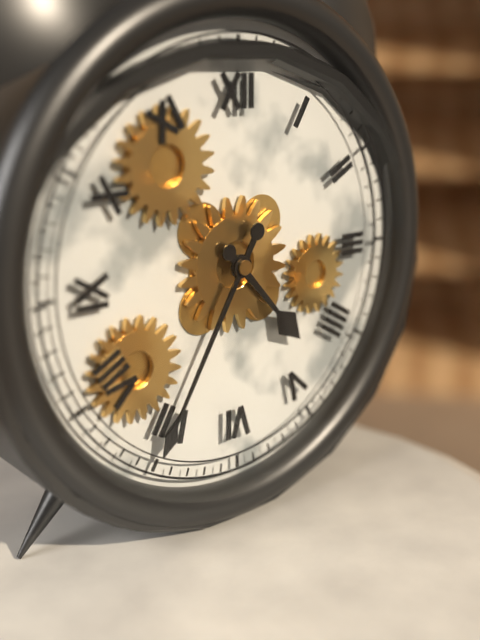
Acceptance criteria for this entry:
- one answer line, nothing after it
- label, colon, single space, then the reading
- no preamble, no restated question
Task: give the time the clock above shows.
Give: 4:35
